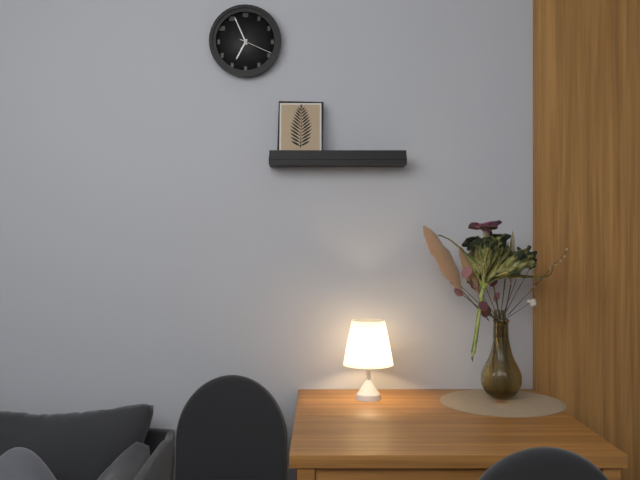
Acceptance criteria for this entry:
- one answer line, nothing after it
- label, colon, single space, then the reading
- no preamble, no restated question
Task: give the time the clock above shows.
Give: 6:56
